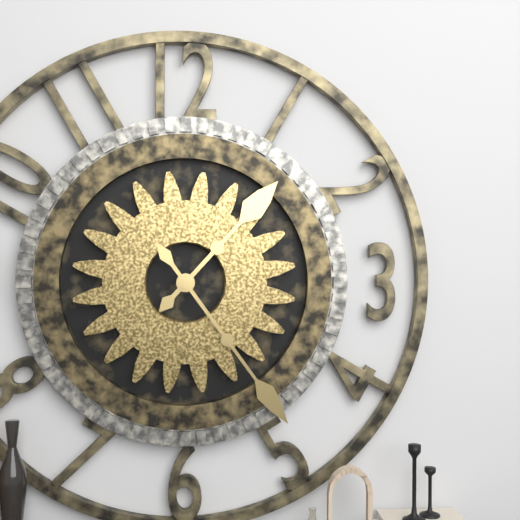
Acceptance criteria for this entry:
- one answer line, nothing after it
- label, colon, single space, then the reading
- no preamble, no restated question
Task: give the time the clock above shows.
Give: 1:24
